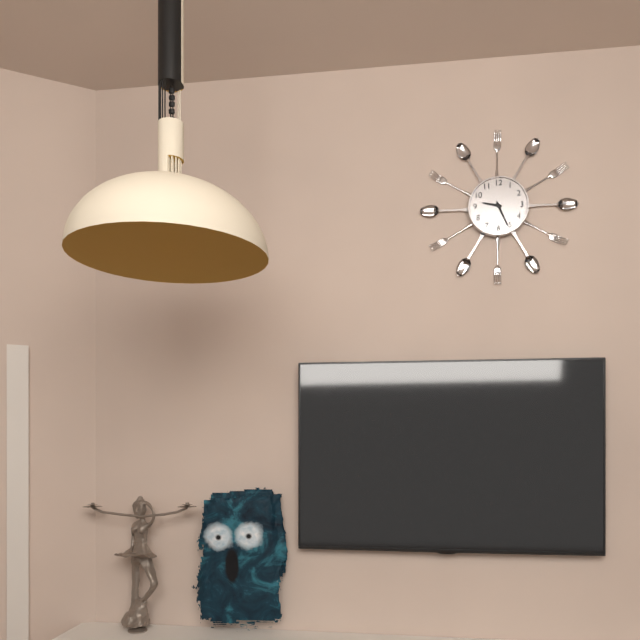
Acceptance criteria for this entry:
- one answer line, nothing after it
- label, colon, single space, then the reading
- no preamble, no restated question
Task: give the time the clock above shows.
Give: 9:26
